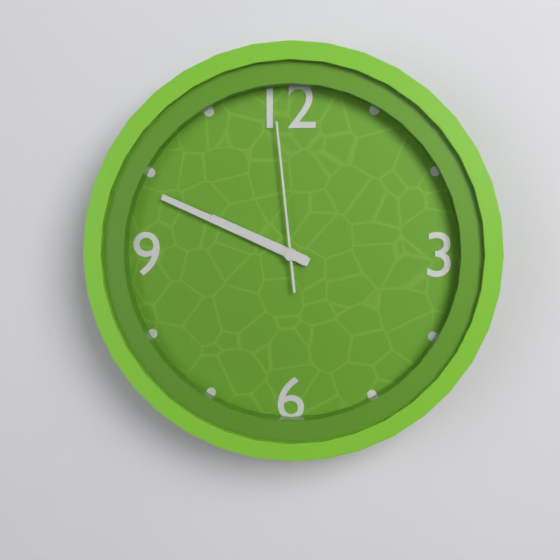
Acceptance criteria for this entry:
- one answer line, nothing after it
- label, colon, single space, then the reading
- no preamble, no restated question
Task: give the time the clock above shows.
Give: 9:49:59
